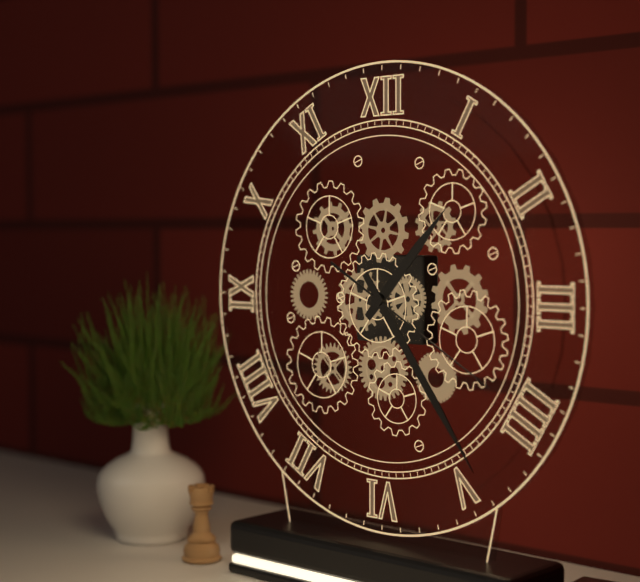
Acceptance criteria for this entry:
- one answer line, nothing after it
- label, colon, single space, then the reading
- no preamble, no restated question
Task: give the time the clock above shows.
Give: 1:24:20
